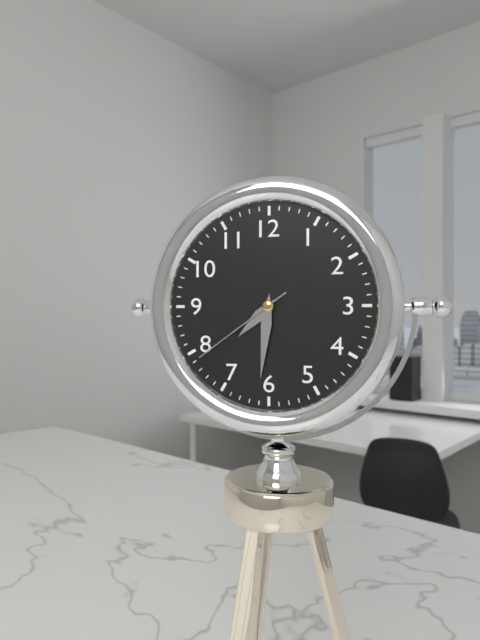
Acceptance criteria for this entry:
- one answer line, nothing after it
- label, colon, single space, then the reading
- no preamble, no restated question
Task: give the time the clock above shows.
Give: 7:31:39
